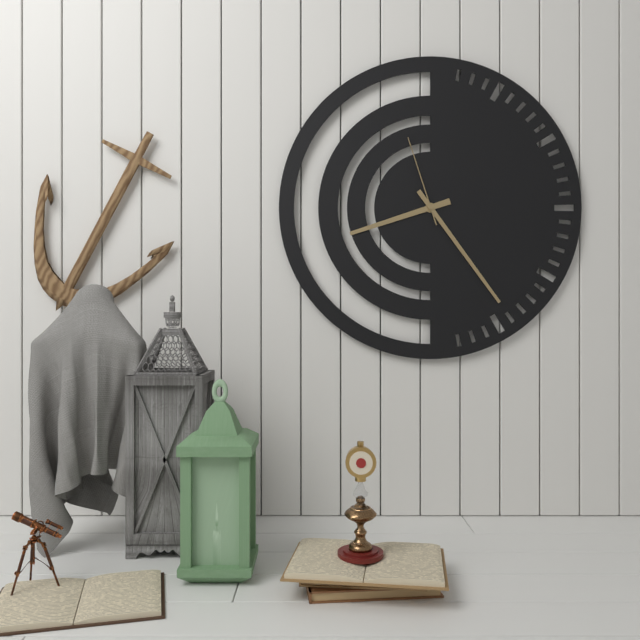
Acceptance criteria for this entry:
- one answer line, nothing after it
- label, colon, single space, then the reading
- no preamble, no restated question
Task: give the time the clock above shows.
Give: 8:24:57
